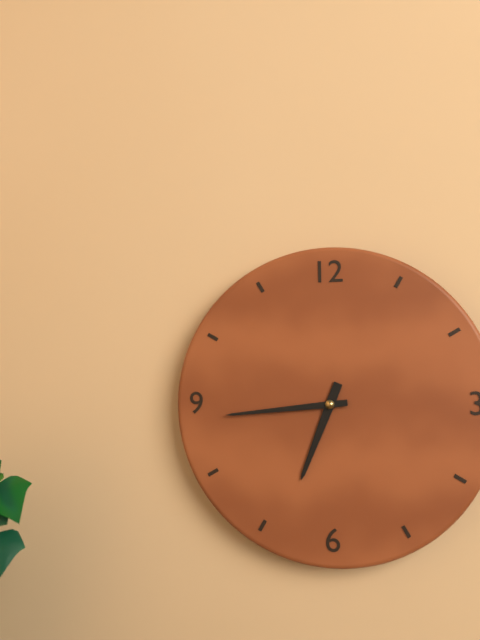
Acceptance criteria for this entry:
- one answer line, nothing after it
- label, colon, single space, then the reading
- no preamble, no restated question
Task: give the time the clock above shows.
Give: 6:44
